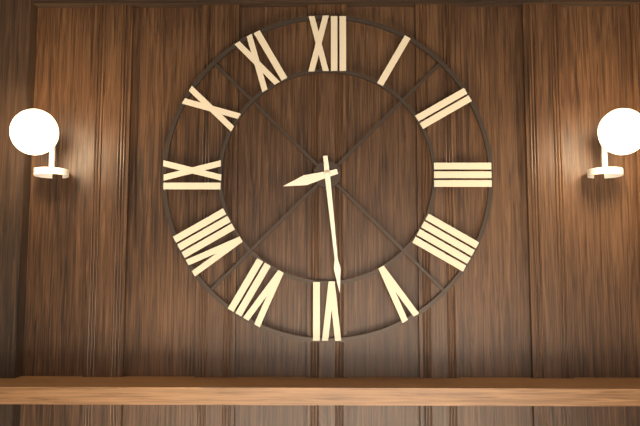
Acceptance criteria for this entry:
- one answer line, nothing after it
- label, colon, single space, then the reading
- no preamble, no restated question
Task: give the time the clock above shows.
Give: 8:29
